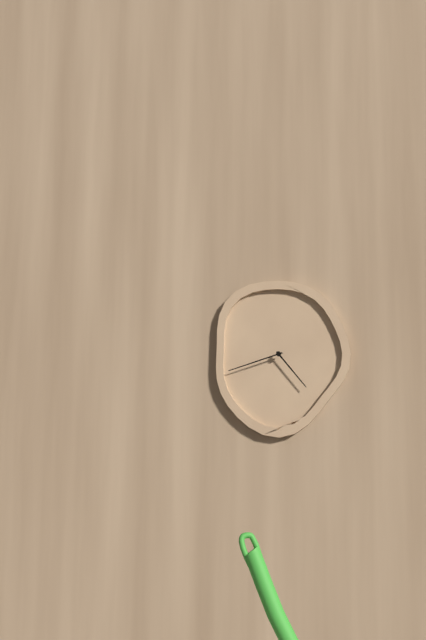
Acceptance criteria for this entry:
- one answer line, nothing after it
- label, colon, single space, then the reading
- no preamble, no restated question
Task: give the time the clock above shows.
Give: 4:42
